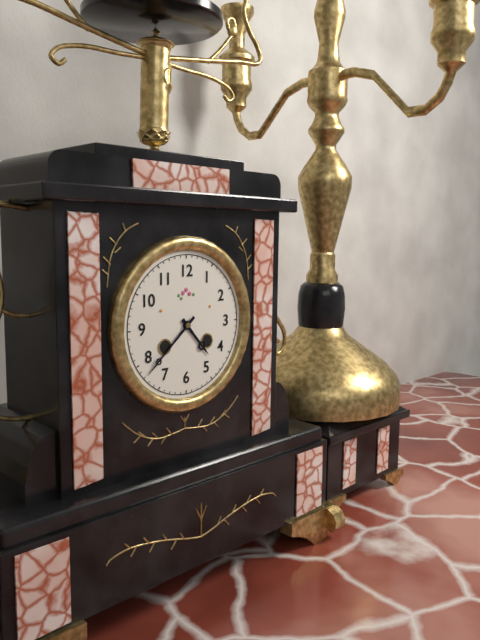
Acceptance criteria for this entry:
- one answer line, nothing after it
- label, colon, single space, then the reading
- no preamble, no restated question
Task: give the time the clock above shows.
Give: 4:38
